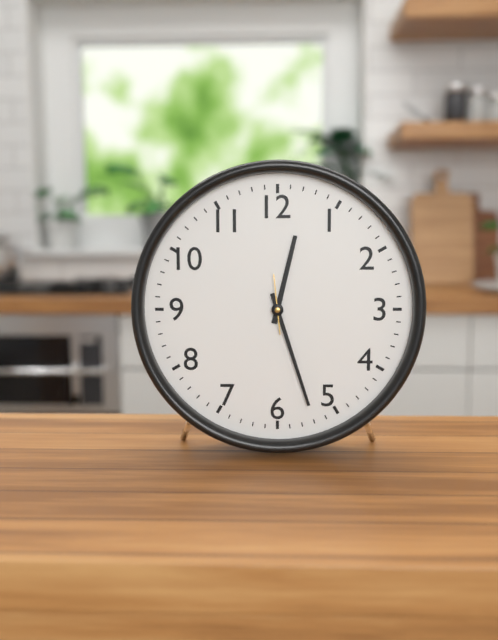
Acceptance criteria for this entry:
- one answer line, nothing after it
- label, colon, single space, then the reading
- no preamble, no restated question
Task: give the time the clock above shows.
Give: 12:27
